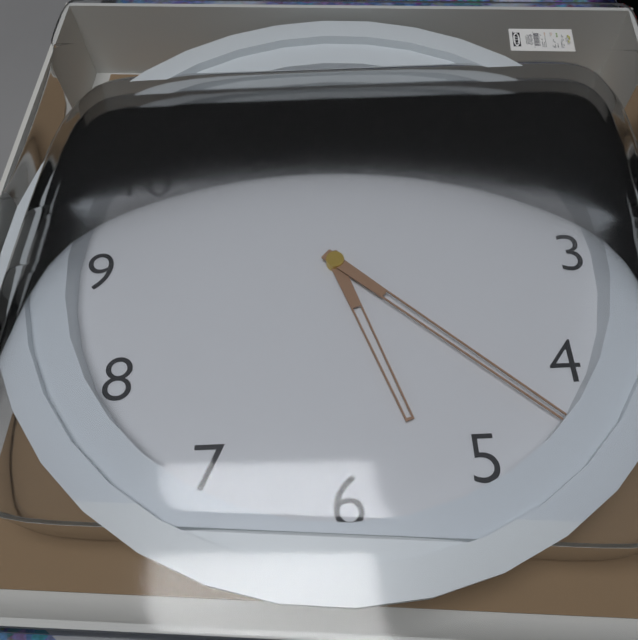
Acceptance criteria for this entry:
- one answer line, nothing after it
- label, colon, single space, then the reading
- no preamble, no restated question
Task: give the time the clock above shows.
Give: 5:22
